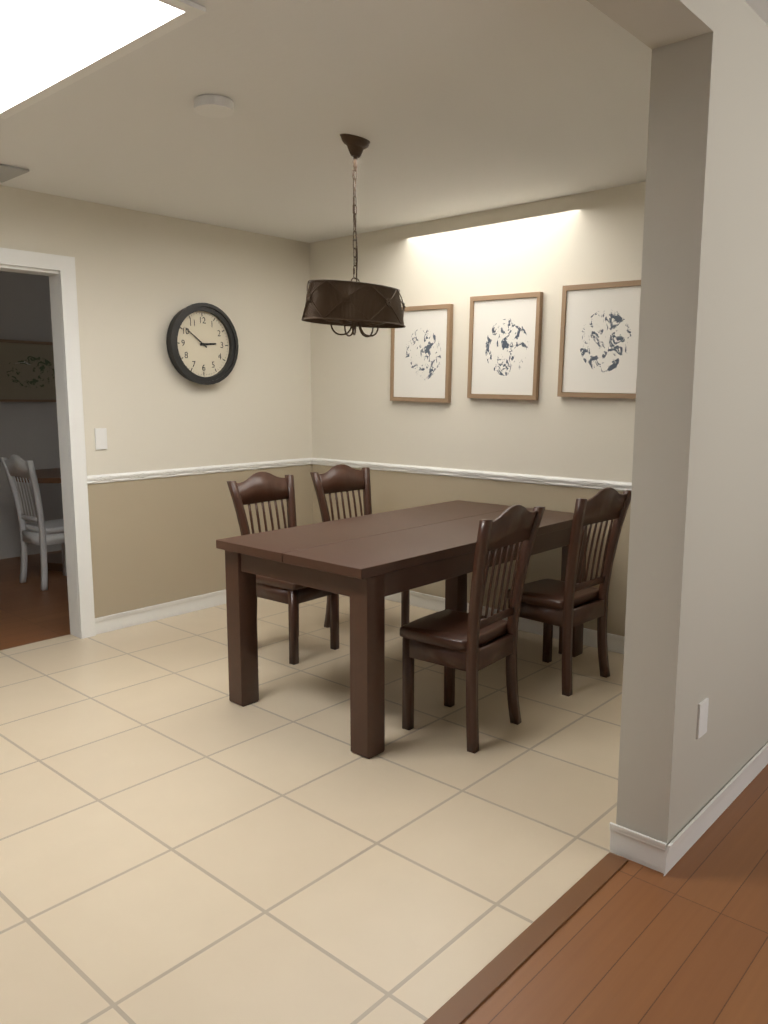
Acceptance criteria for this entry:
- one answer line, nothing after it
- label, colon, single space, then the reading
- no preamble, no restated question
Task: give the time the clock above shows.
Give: 2:51
